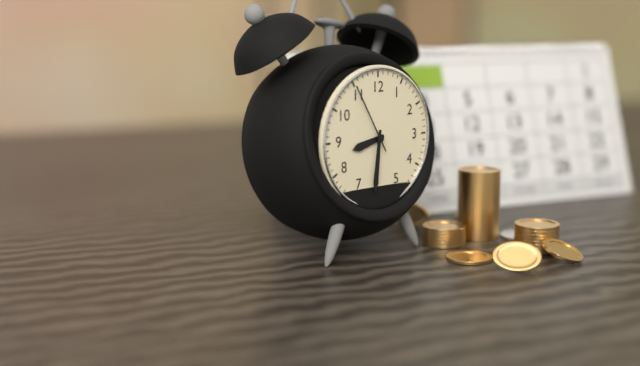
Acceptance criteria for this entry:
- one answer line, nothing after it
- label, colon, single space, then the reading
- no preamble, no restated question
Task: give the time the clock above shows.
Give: 8:31:55
